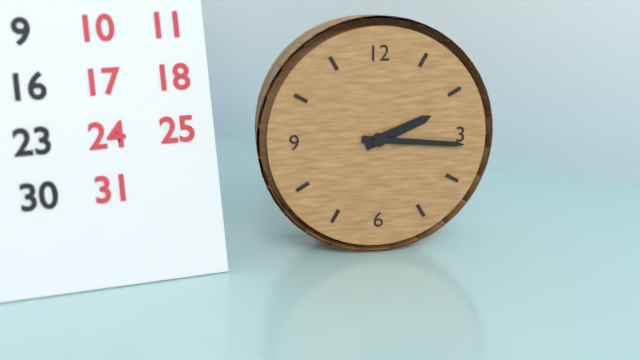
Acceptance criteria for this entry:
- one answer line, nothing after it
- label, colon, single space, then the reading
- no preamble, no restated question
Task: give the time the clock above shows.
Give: 2:16
